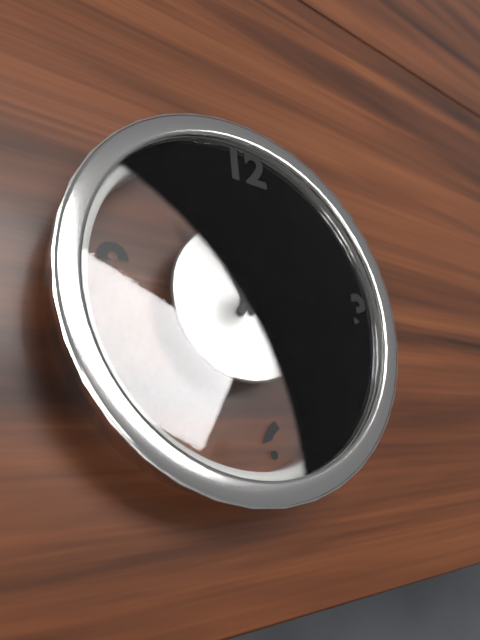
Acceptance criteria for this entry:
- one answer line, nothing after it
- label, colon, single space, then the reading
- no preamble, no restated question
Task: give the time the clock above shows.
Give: 11:06
